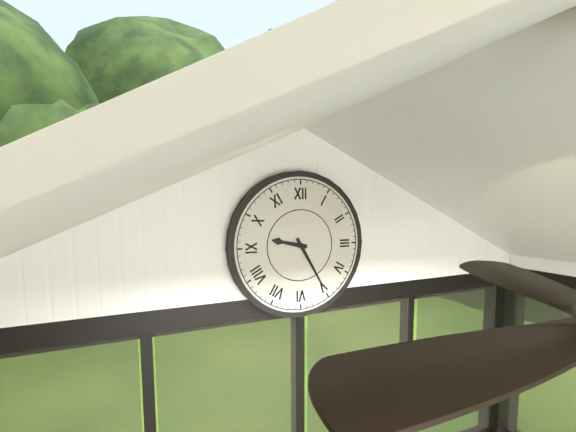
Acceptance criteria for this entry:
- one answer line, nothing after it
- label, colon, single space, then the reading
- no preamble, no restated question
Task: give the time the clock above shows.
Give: 9:25
